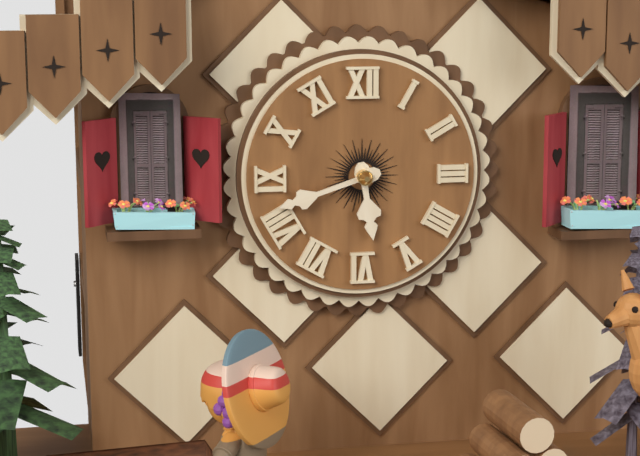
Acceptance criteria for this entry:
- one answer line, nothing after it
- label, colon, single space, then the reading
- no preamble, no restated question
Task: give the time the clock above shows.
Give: 5:42
